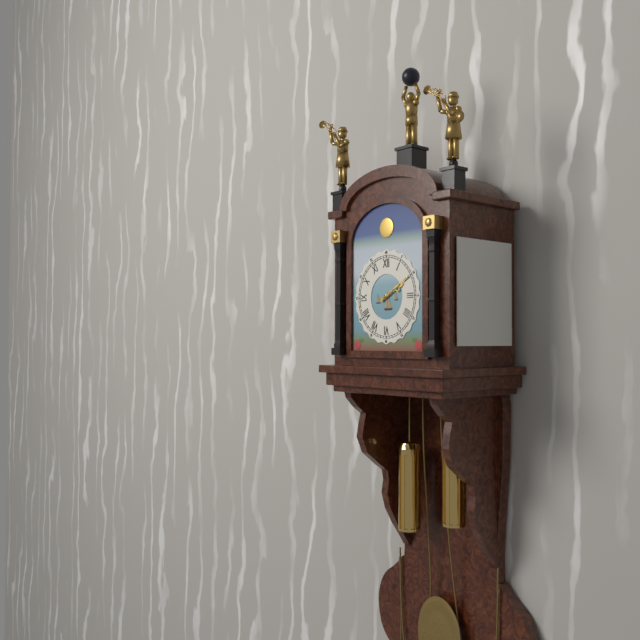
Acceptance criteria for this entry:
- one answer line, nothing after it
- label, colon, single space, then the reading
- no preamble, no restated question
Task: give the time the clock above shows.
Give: 2:10
